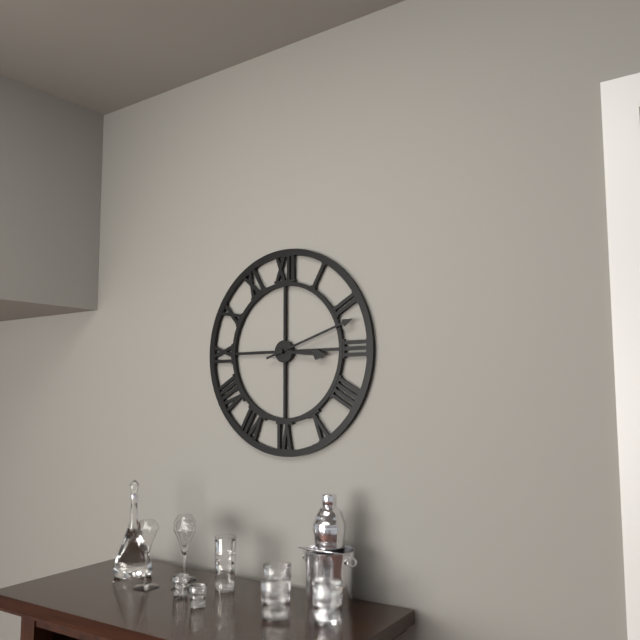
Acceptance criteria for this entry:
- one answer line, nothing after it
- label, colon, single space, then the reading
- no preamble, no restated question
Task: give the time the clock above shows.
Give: 3:12
